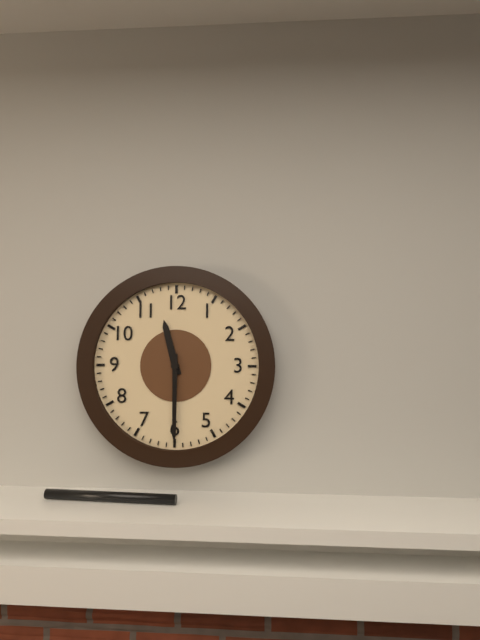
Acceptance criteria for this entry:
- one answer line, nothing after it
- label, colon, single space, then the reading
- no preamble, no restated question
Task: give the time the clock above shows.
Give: 11:30
